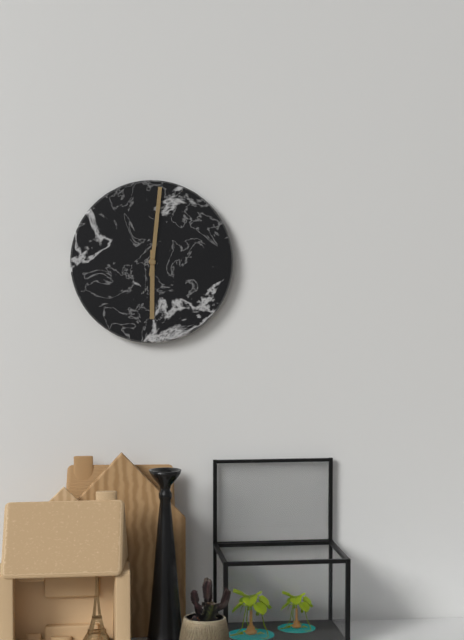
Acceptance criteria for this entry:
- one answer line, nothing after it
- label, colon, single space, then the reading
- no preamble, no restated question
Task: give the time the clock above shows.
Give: 6:01
